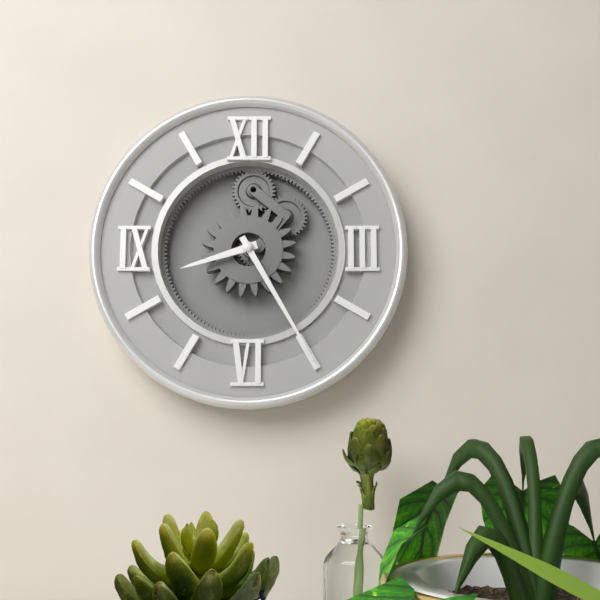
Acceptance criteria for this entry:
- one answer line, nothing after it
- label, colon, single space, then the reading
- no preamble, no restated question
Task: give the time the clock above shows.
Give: 8:25
